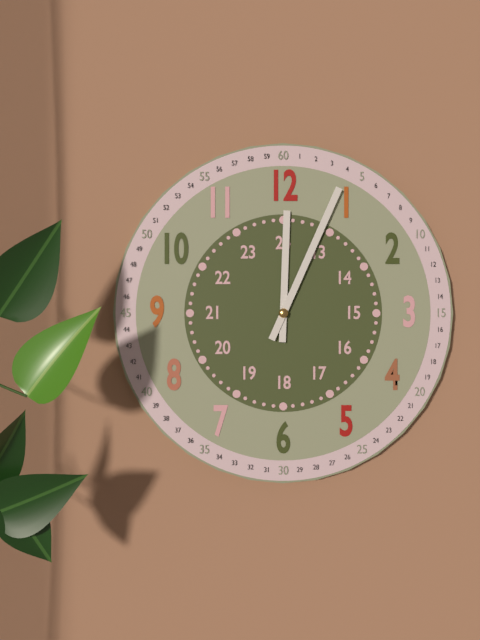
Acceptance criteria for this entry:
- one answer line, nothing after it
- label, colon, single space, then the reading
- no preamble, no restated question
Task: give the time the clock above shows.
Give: 12:04
